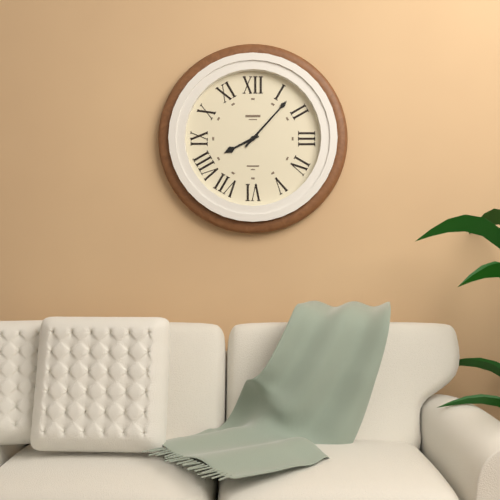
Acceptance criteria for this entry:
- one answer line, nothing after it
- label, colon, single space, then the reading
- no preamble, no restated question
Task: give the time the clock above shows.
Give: 8:07
